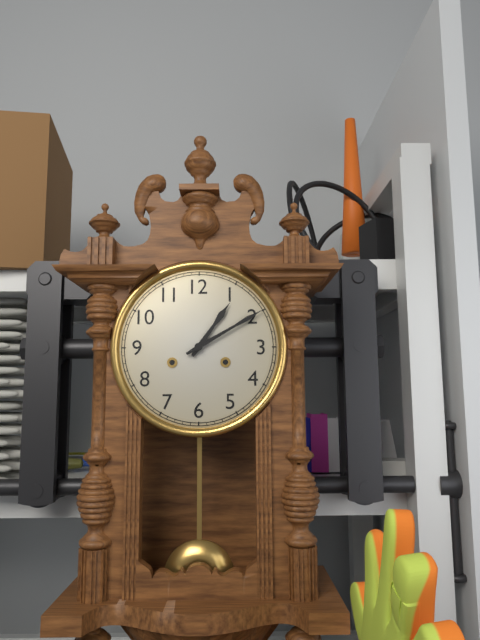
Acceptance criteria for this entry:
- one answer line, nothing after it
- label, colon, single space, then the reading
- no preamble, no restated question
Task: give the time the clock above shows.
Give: 1:10
